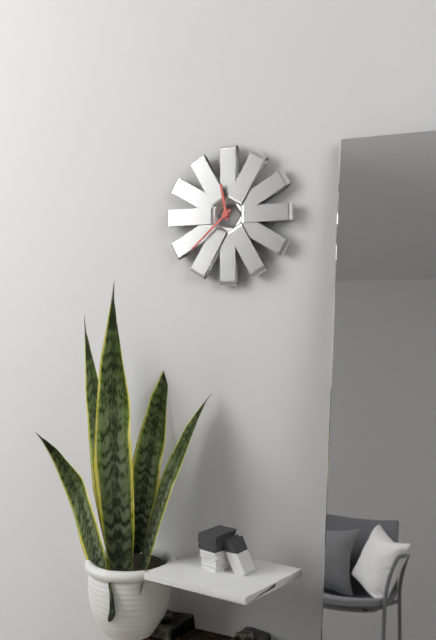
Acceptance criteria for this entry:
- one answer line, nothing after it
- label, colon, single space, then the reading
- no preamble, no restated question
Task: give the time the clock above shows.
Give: 11:38
